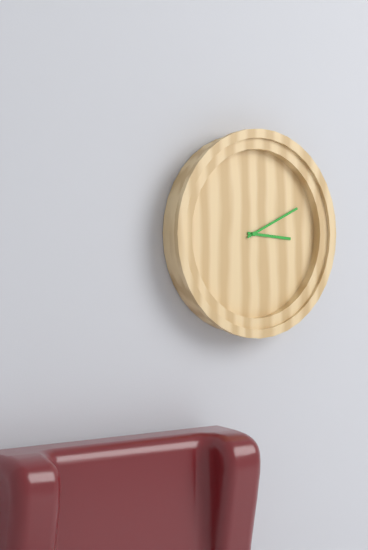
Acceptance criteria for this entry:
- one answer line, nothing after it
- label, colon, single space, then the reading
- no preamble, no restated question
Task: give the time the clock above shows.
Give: 3:11
